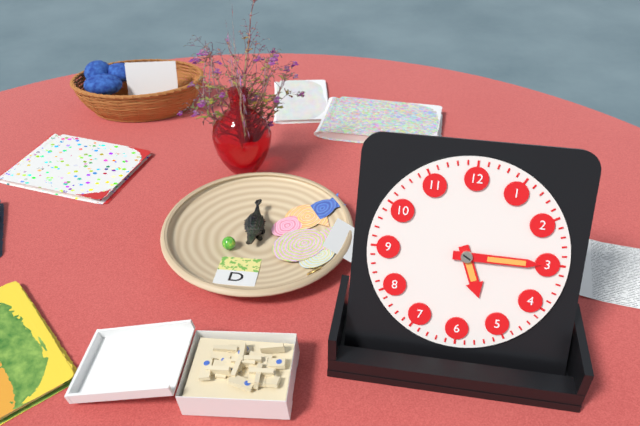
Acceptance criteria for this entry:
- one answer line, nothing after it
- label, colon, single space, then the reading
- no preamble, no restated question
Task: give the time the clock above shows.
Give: 5:15
